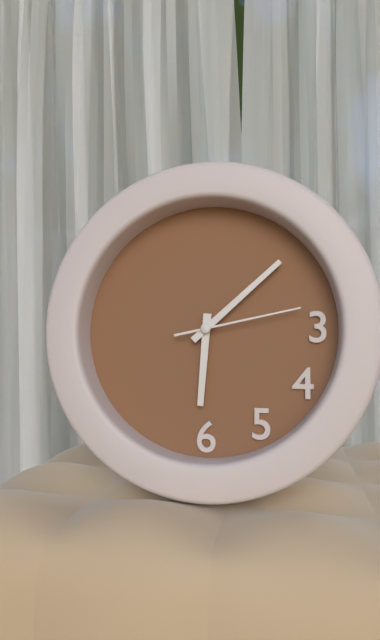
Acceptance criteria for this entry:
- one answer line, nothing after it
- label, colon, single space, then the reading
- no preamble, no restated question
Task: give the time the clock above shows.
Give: 6:08:13
